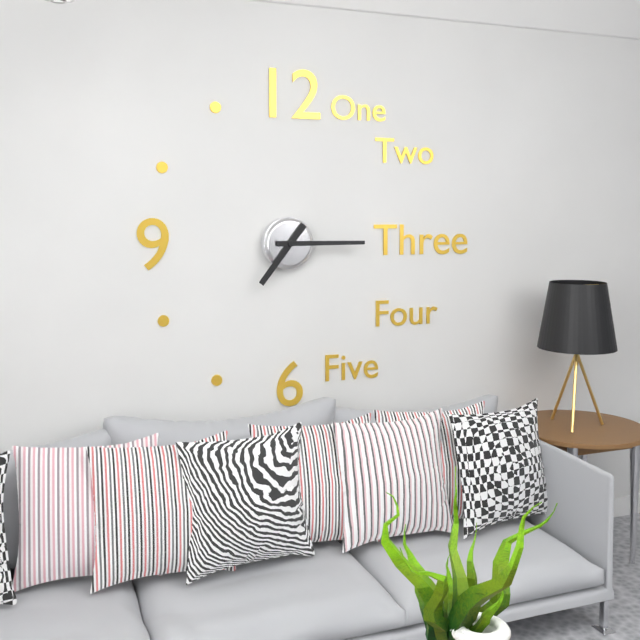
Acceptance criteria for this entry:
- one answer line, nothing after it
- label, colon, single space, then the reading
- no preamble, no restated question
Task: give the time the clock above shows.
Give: 7:15
